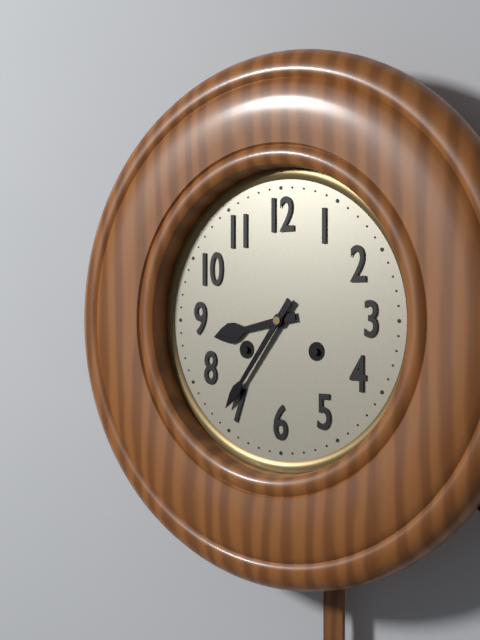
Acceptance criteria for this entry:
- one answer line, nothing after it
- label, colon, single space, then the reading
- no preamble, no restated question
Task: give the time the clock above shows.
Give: 8:36
